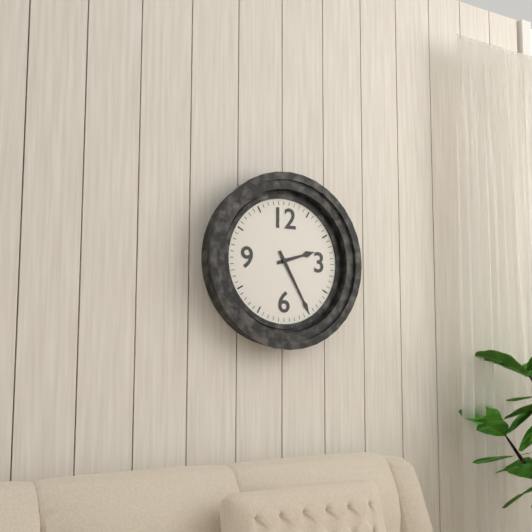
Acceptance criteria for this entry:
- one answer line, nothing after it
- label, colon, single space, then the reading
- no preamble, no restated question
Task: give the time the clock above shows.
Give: 2:25
